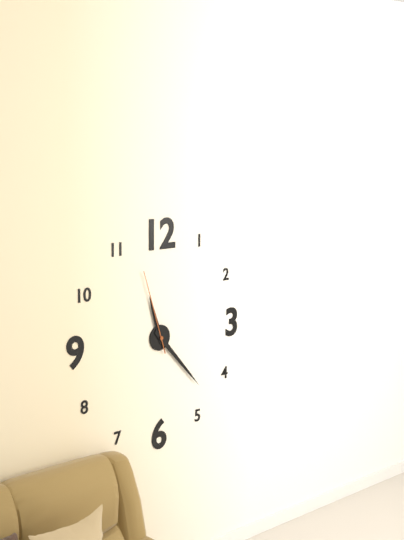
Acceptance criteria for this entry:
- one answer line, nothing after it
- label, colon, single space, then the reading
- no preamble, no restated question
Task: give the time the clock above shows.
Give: 11:23:57
